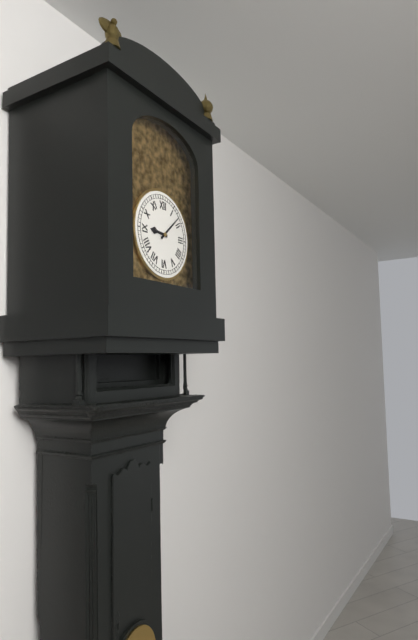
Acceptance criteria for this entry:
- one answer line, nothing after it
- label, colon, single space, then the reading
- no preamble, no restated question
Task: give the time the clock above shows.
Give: 9:08
